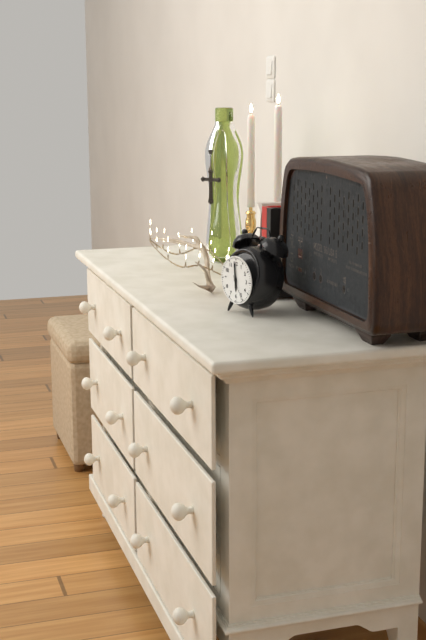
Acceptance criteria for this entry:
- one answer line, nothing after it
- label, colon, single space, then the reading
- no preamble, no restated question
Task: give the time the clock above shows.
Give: 5:59
